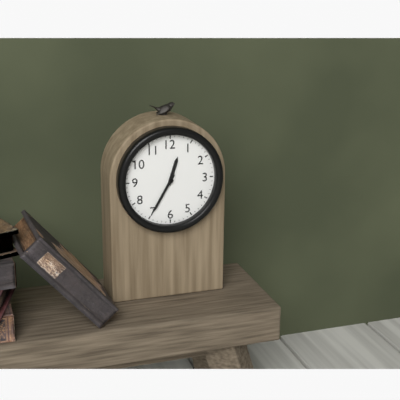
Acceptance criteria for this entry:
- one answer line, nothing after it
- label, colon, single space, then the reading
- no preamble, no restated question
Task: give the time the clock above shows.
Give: 12:35
